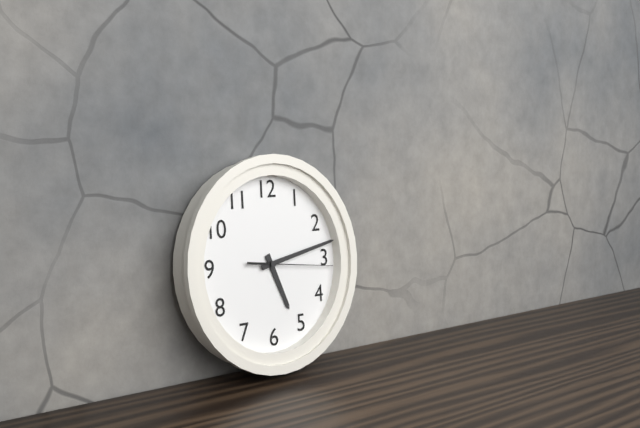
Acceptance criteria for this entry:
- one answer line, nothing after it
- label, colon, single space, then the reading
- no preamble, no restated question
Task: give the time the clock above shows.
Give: 5:13:16
